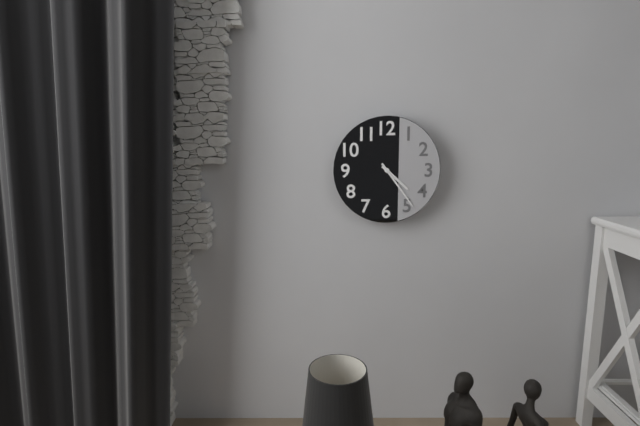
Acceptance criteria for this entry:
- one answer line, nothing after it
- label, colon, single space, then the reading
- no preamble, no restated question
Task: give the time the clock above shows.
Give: 4:24
